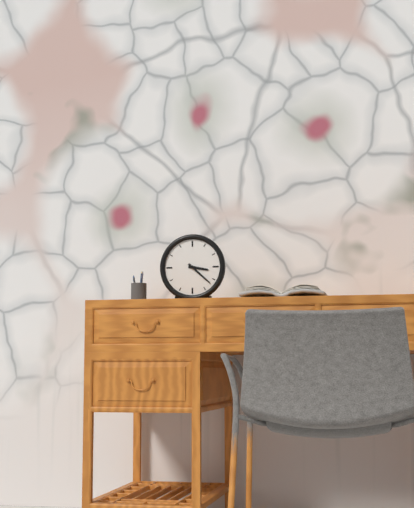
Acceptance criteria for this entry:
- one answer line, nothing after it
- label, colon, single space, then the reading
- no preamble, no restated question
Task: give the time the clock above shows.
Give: 3:22
